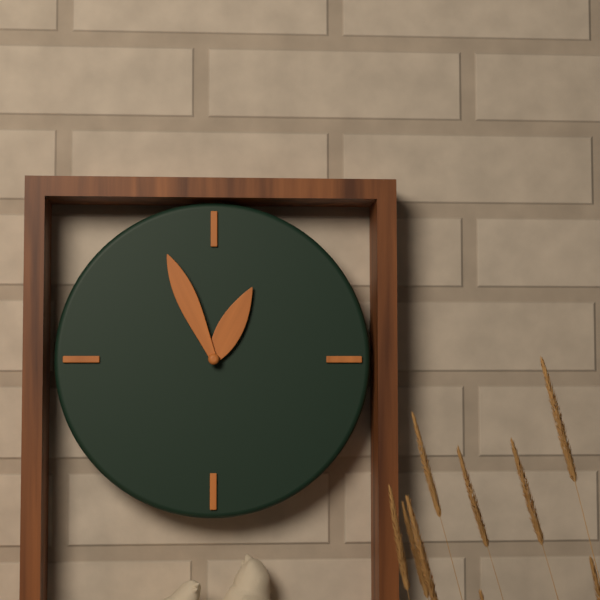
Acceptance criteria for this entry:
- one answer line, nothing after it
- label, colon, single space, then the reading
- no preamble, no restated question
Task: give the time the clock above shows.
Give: 12:56
